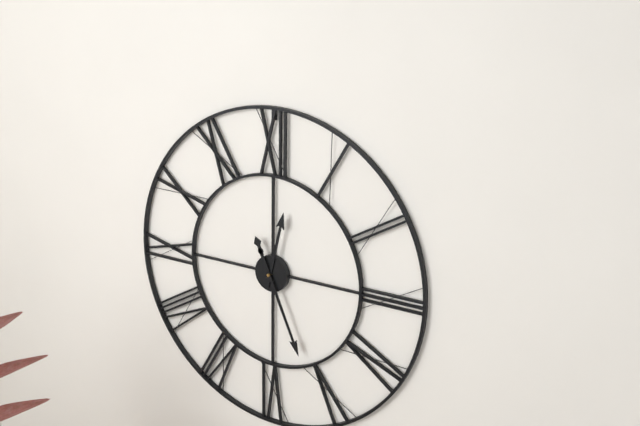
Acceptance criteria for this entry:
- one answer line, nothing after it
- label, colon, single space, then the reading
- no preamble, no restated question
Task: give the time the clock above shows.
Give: 12:26
